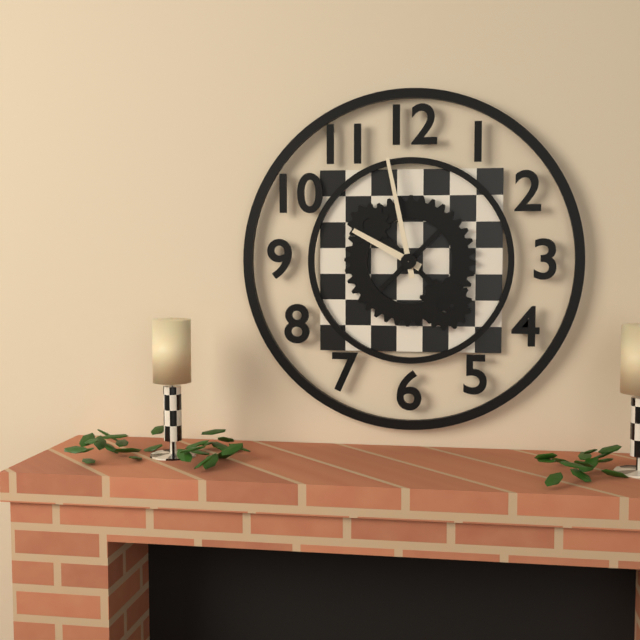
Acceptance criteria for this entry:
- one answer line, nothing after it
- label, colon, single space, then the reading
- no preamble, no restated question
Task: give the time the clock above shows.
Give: 9:58
